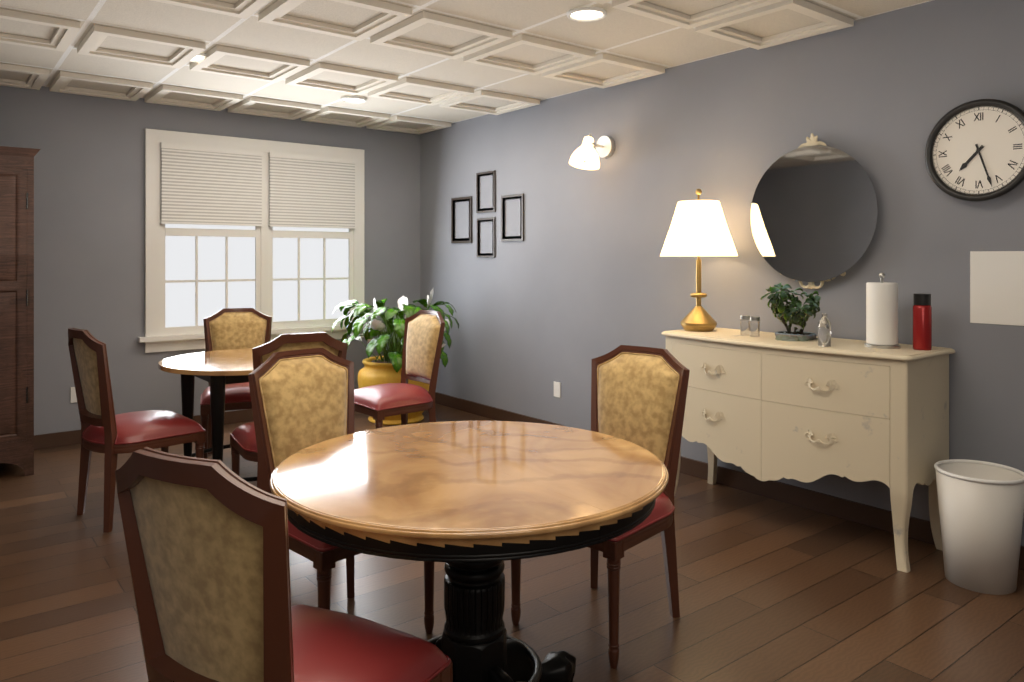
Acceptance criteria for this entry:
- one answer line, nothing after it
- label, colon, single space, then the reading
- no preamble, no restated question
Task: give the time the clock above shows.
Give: 7:27
